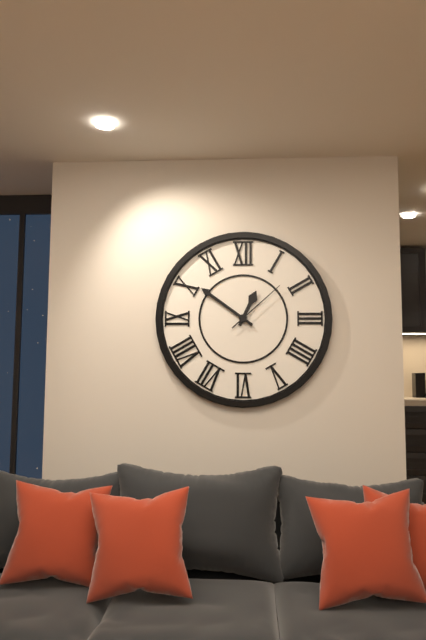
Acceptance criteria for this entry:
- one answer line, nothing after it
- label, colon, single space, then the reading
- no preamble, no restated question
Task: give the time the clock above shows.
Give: 12:51:08
